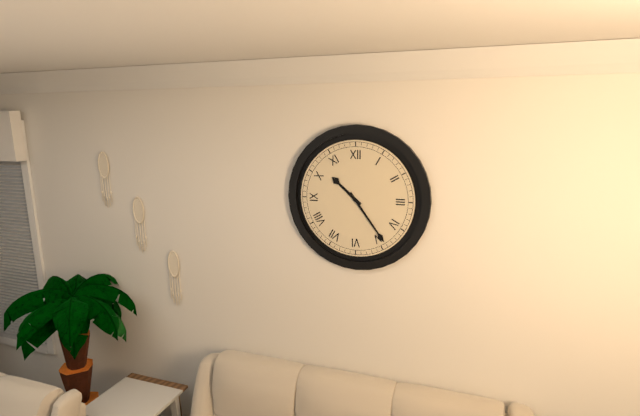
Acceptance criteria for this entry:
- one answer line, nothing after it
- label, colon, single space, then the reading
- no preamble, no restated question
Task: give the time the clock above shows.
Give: 10:24
